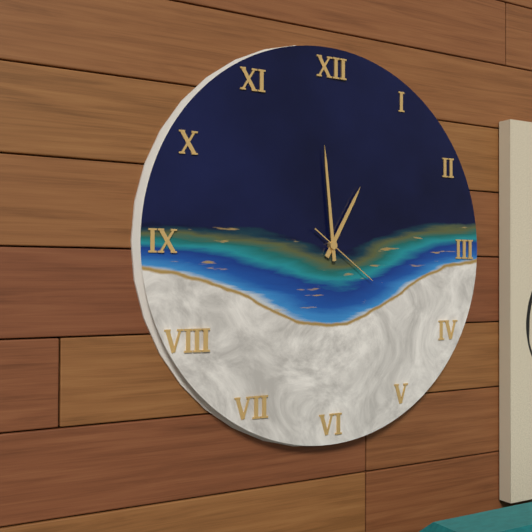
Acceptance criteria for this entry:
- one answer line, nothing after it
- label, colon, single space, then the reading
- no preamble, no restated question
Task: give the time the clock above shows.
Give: 12:59:21
